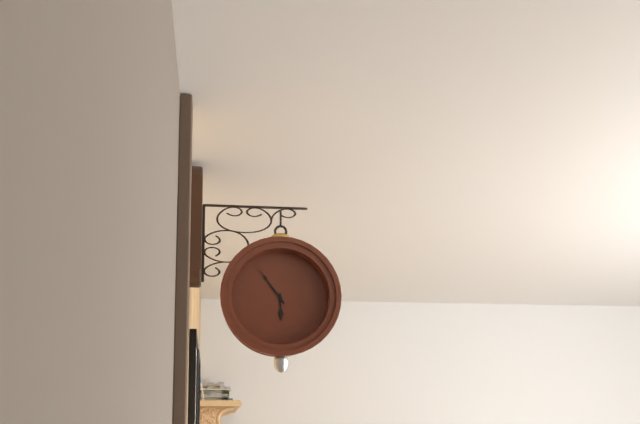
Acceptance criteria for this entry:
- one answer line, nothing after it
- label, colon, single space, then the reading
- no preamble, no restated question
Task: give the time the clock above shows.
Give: 5:54
